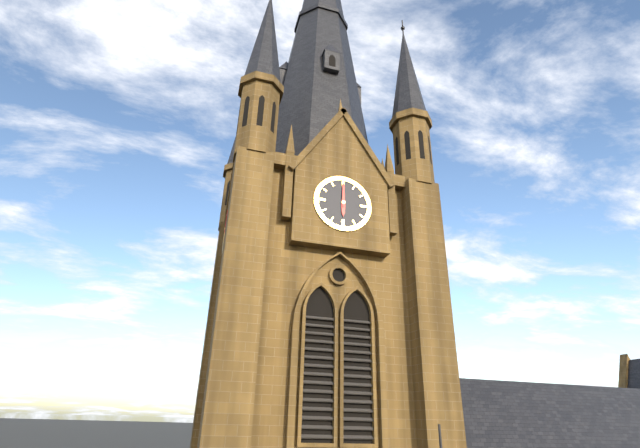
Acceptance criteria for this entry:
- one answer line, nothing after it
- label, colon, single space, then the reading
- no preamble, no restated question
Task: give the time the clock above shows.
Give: 6:00
